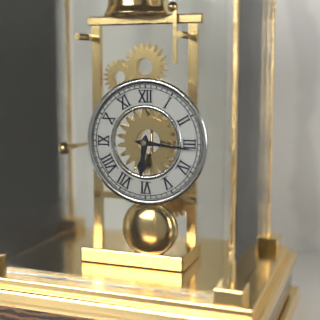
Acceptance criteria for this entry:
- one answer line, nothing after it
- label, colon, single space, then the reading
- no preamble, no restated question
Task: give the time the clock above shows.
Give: 6:16
